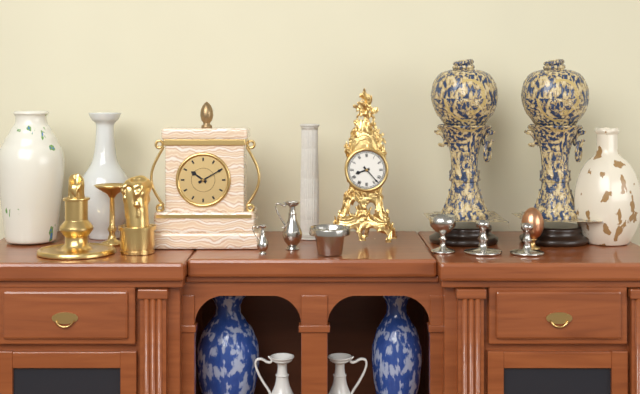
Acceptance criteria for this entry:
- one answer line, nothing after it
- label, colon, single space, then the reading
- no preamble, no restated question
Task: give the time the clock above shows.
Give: 8:23
